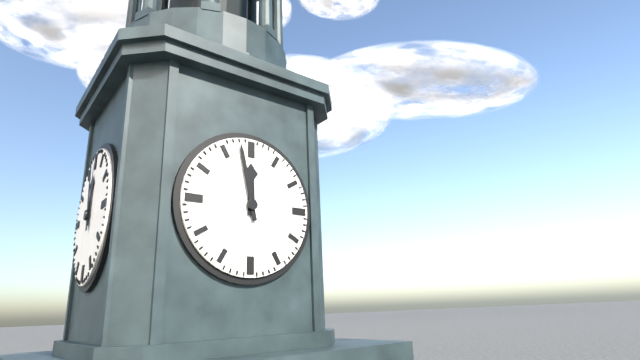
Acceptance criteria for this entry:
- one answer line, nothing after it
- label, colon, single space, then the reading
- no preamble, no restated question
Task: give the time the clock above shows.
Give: 11:58
